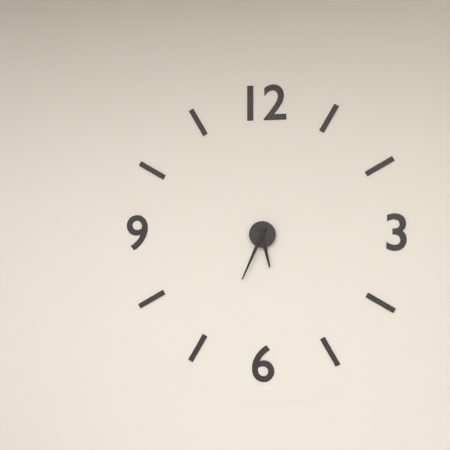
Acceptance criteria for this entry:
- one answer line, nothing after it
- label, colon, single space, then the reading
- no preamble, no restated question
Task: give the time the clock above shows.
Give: 5:34
